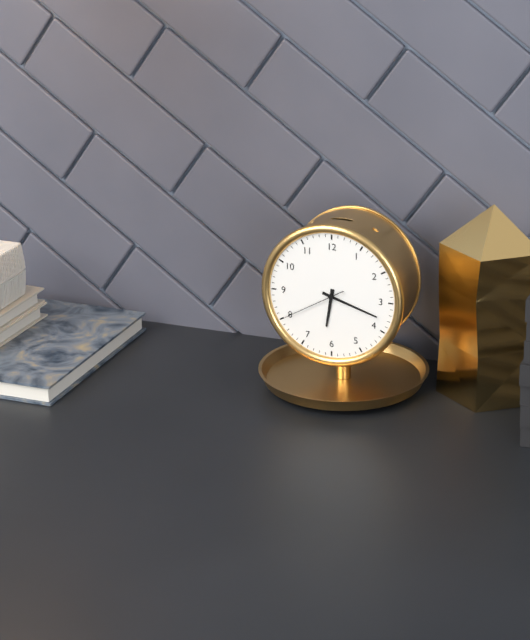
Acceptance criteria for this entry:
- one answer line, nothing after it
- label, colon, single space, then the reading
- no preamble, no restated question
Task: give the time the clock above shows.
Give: 6:18:40
